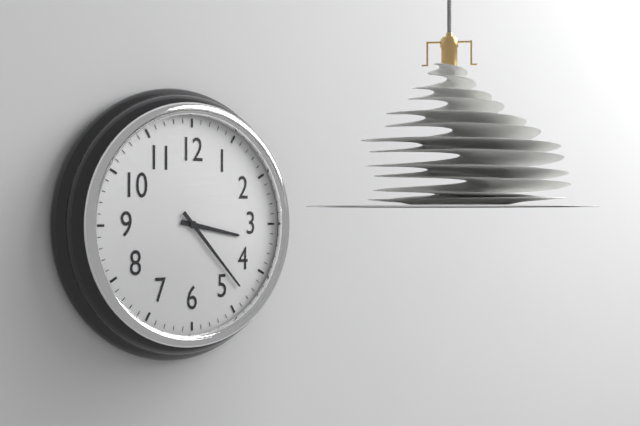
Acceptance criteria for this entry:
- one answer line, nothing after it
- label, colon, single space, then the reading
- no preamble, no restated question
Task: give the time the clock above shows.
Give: 3:23
